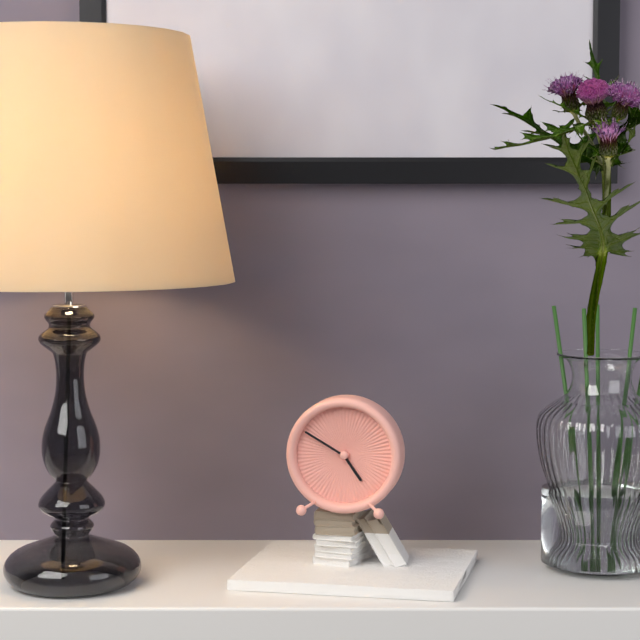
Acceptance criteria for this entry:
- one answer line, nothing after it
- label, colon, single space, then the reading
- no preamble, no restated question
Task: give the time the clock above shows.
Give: 4:50
